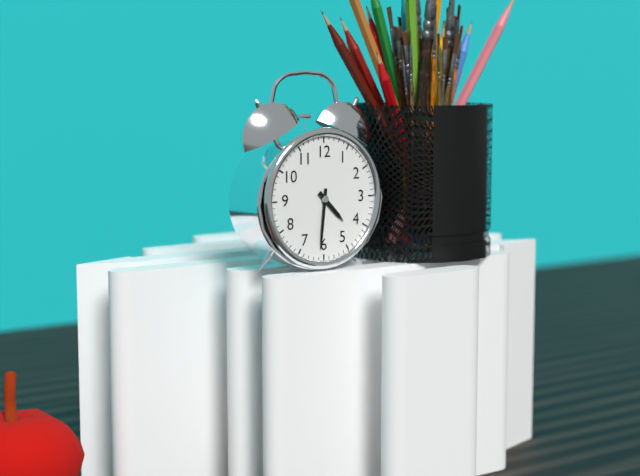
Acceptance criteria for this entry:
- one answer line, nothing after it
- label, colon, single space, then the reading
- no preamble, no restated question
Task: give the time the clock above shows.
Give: 4:31
